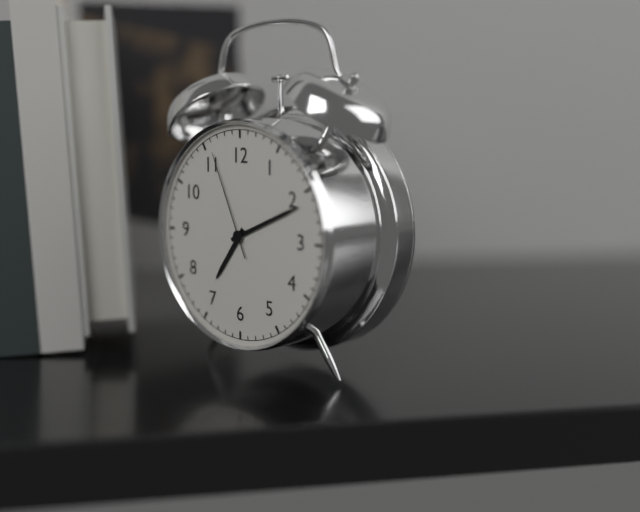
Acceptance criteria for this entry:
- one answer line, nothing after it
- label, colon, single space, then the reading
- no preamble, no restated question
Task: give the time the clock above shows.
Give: 7:11:56
